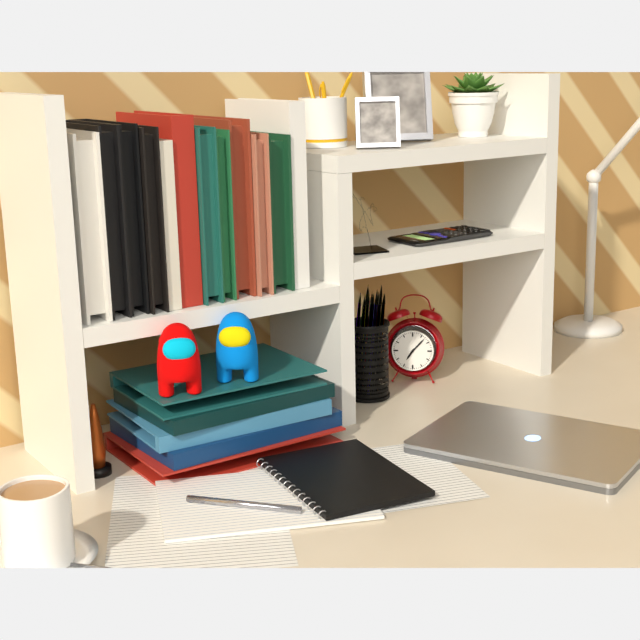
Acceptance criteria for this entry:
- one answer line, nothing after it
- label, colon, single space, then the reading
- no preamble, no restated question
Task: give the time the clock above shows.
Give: 7:07
